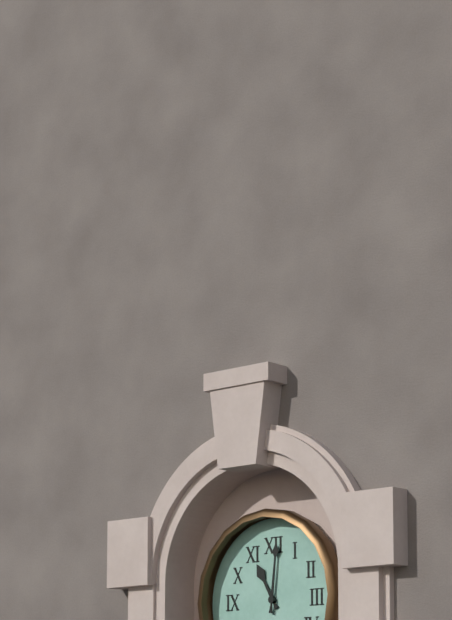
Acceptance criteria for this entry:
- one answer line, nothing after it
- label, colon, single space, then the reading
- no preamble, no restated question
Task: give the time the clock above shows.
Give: 11:01
